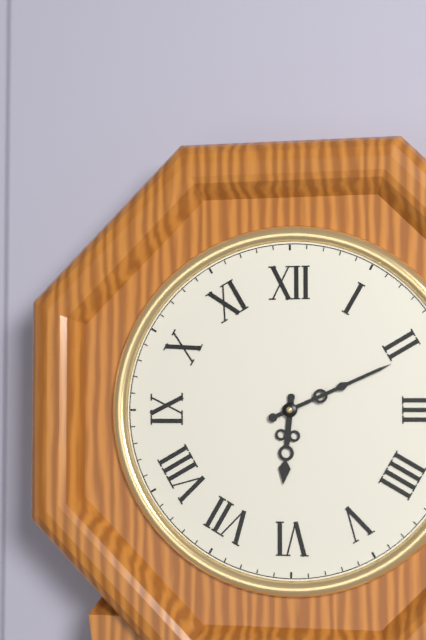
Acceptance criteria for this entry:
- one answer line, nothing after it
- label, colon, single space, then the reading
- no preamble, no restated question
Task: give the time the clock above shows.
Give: 6:11
